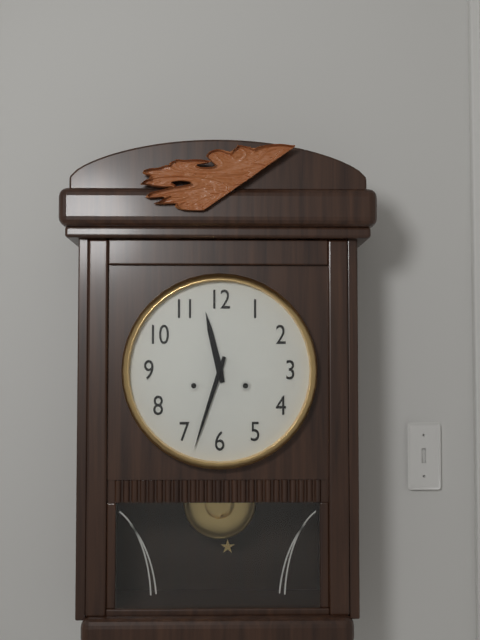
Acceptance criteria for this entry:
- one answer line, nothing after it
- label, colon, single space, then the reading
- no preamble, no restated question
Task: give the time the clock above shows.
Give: 11:33
